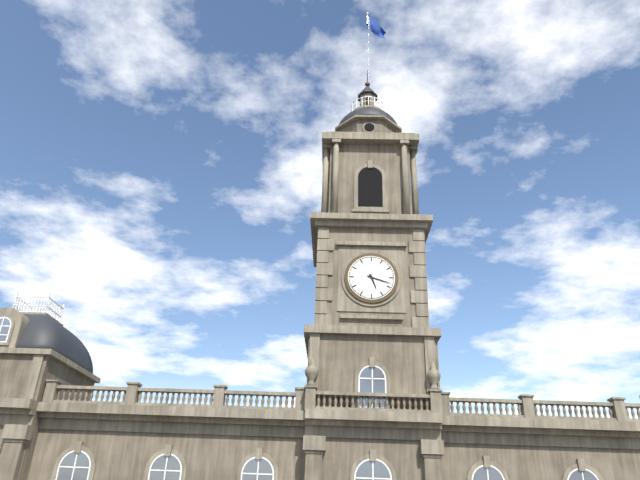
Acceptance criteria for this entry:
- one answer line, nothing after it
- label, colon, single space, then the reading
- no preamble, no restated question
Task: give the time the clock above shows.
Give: 5:18
